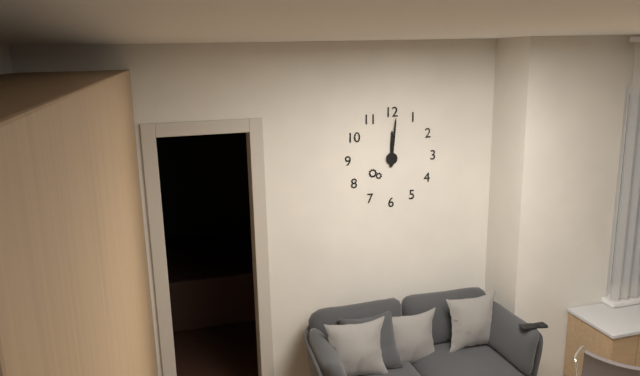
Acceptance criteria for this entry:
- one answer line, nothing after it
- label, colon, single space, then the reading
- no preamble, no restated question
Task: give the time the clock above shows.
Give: 12:01
